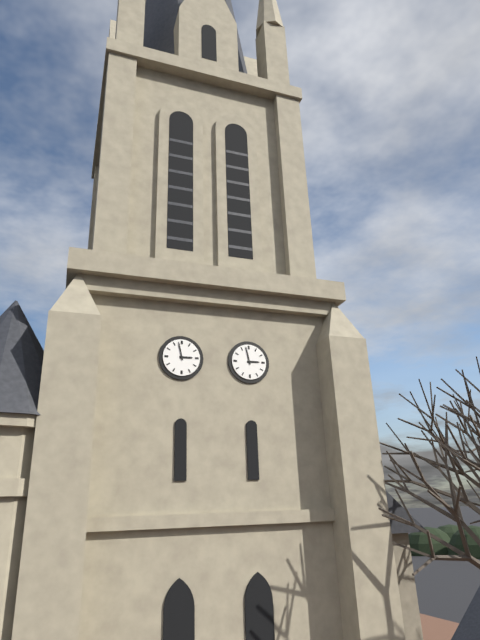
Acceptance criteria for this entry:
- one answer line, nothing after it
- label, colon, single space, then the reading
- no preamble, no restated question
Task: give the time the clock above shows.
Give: 2:58
